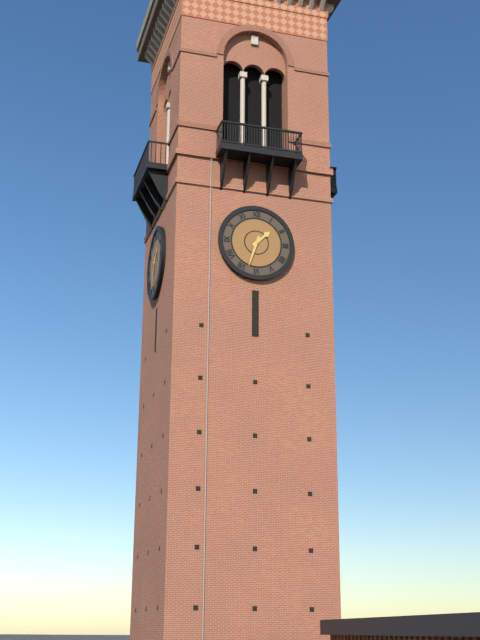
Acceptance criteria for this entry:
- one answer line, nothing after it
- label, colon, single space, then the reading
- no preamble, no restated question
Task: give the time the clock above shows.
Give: 1:33
